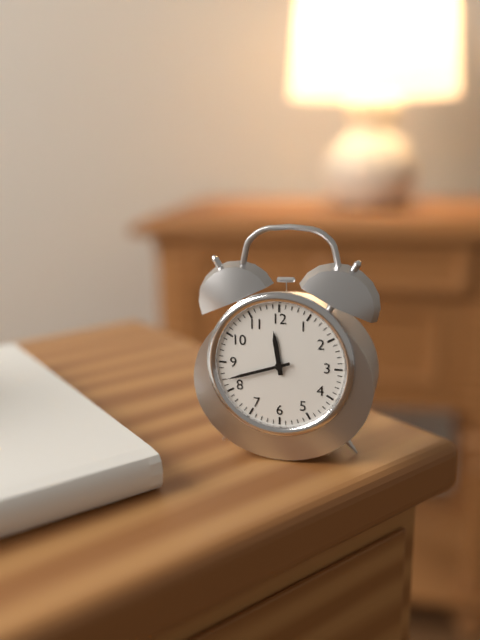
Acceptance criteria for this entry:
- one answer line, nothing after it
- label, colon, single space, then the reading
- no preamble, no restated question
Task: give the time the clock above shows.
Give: 11:42
